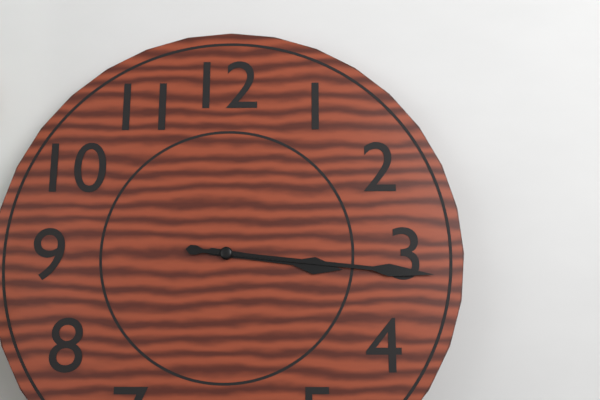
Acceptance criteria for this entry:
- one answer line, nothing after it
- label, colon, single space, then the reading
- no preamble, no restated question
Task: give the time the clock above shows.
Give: 3:16
